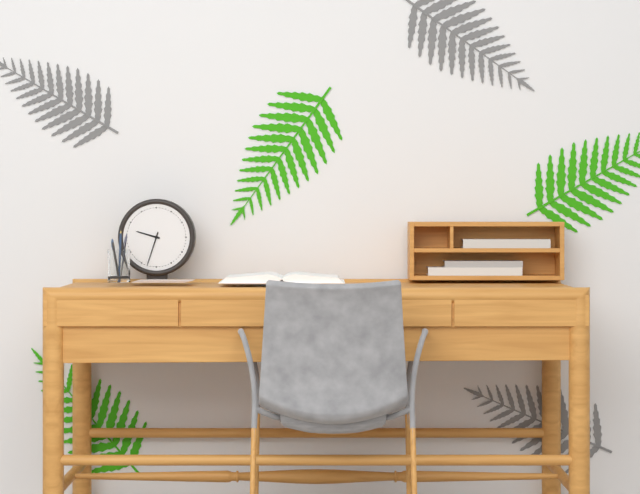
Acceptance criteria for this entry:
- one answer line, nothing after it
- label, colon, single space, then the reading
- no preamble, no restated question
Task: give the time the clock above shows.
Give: 9:33
